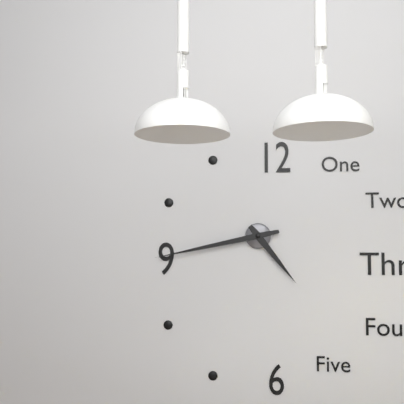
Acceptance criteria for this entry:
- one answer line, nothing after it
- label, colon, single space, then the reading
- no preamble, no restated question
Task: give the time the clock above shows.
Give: 4:43
